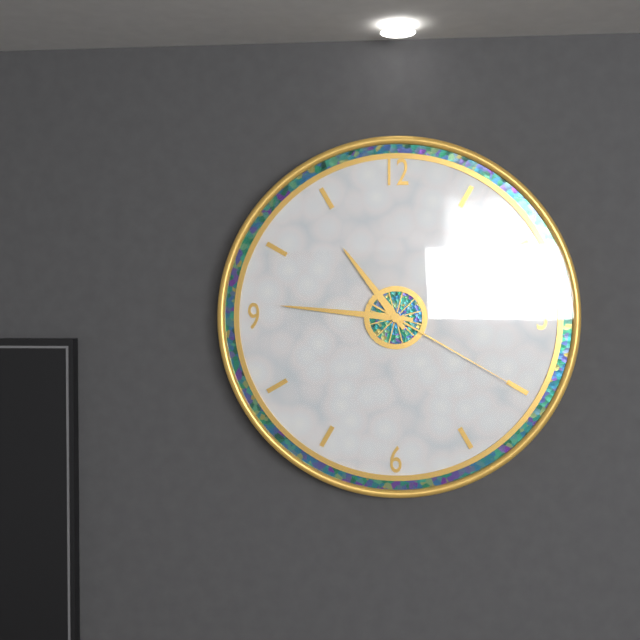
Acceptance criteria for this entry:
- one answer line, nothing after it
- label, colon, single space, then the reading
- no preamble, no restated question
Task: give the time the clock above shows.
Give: 10:46:20
